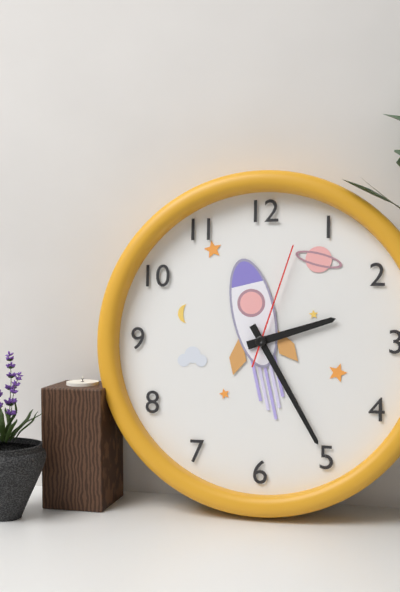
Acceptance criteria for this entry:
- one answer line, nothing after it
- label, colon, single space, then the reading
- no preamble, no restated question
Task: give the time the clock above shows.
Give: 2:25:03
